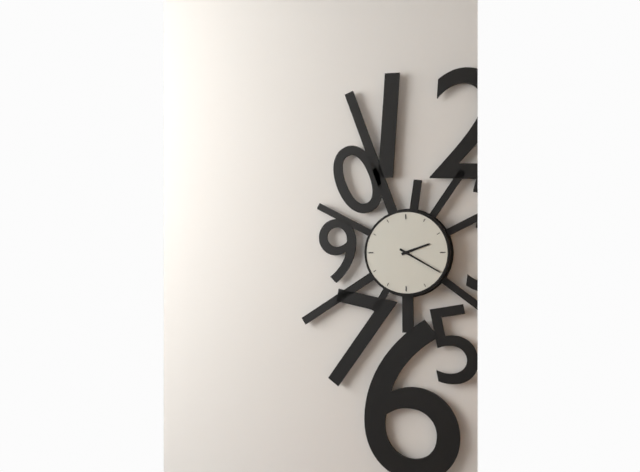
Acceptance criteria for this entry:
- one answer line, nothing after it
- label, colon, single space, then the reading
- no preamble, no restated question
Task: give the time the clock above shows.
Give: 2:20
